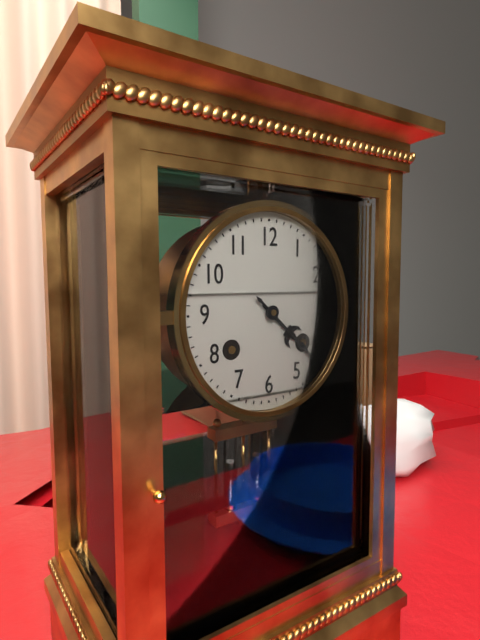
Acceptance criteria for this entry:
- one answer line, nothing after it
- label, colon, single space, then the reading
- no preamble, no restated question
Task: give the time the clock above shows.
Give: 4:22
